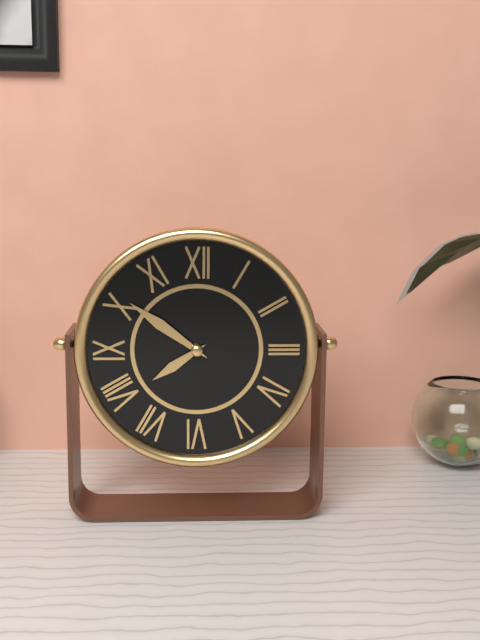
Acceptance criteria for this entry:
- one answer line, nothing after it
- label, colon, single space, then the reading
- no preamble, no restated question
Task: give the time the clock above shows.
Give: 7:51
